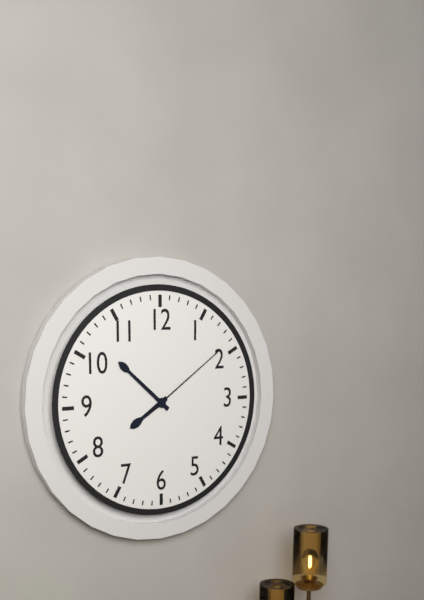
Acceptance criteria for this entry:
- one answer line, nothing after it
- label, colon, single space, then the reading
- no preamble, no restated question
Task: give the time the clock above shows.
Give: 7:52:09
